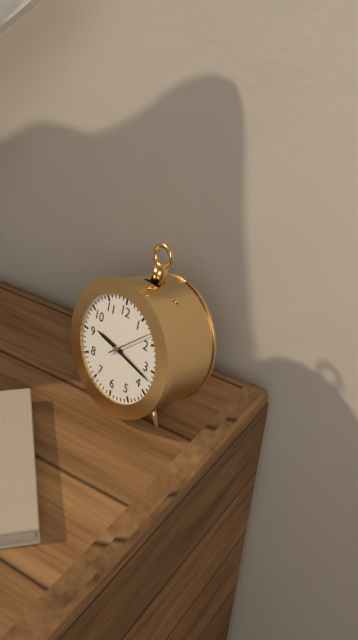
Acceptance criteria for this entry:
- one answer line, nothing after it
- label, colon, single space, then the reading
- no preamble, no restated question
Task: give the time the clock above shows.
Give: 9:17
